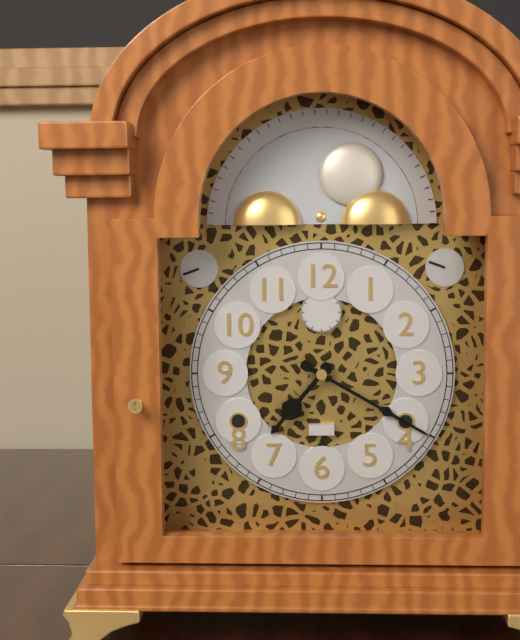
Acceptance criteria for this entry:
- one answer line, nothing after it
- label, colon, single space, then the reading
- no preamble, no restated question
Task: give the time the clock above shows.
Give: 7:20
